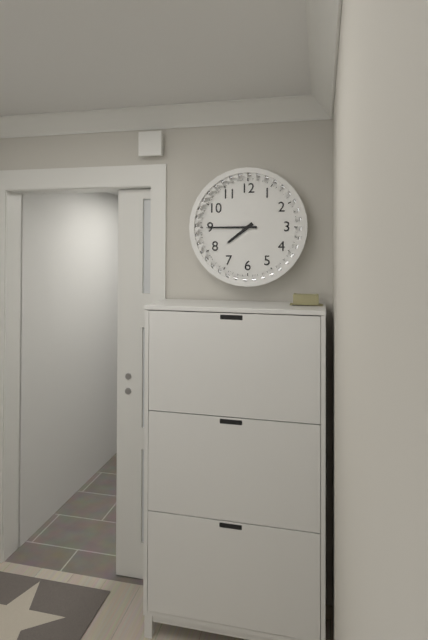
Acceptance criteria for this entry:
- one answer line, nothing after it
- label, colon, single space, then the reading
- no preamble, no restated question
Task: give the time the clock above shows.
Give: 7:45
